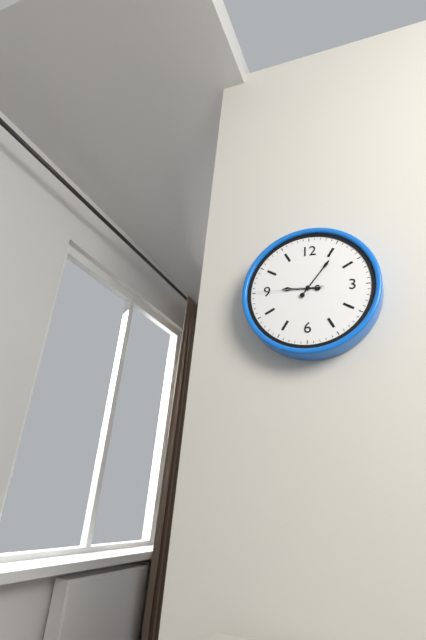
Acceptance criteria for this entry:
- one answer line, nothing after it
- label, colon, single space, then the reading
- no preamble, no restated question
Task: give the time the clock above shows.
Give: 9:06:45
